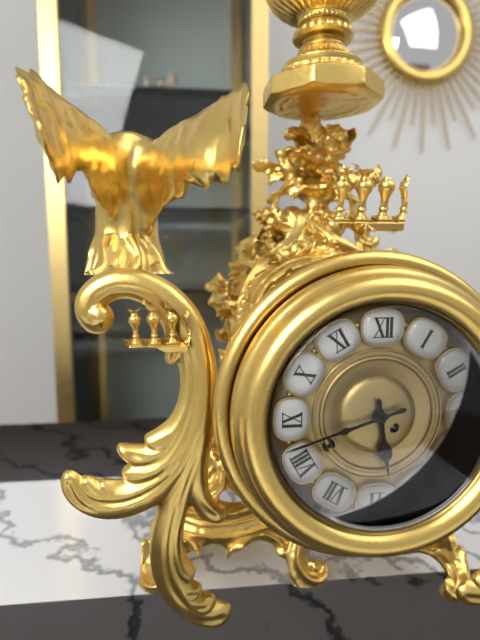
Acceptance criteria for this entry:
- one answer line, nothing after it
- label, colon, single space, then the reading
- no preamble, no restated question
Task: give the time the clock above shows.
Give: 5:42
